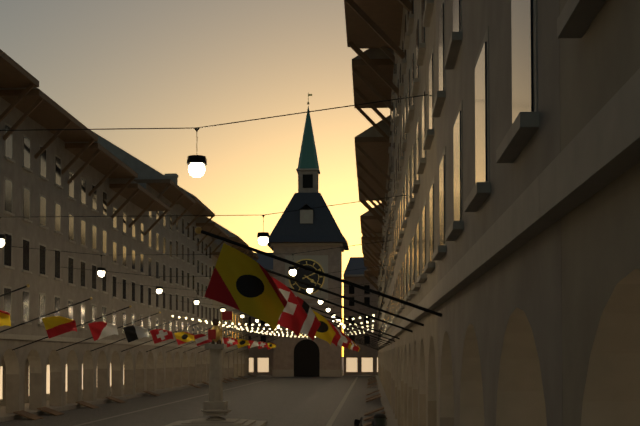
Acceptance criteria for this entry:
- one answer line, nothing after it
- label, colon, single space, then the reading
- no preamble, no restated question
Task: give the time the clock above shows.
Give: 4:11
